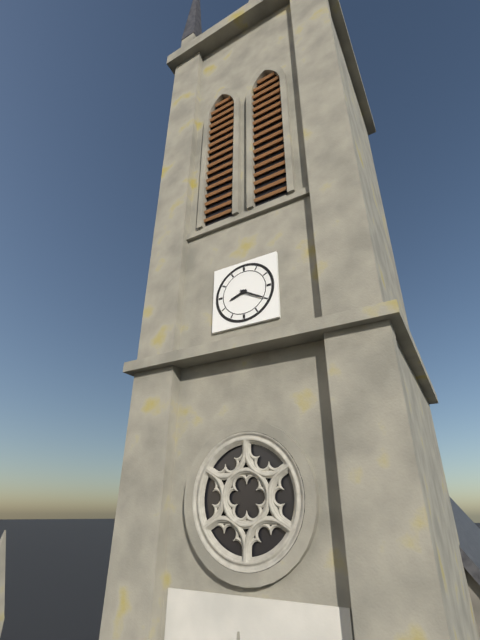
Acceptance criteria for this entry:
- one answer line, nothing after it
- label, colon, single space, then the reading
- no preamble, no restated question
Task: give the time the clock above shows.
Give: 8:20
